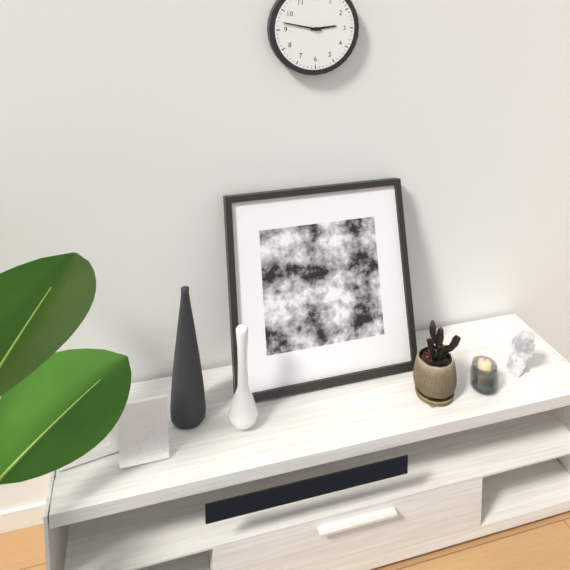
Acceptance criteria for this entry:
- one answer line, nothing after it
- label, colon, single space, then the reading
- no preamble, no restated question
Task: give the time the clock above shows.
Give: 2:47
